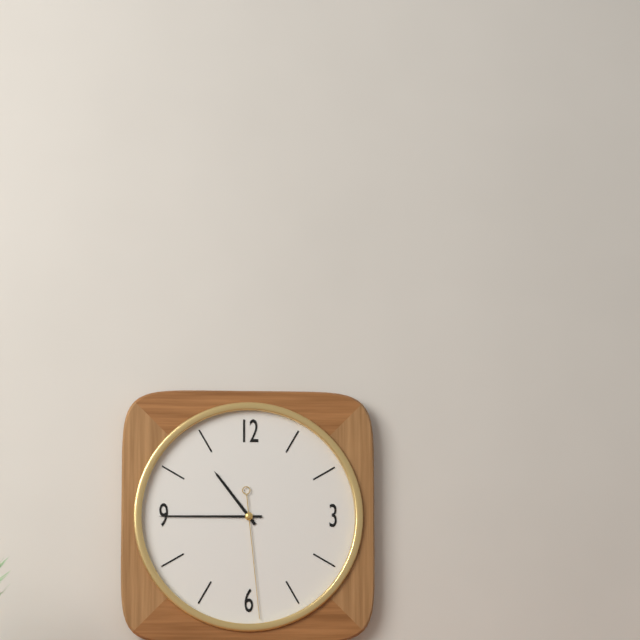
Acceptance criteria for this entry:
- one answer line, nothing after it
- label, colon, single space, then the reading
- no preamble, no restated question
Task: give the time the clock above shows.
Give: 10:45:29
